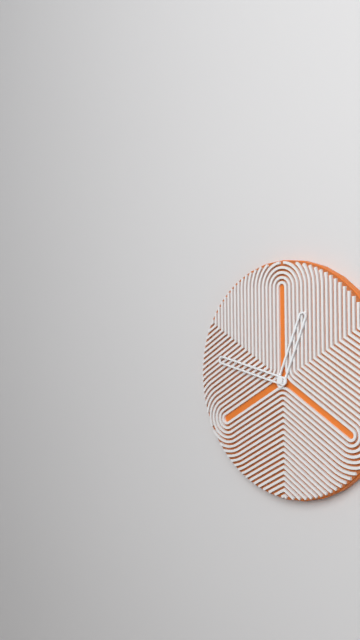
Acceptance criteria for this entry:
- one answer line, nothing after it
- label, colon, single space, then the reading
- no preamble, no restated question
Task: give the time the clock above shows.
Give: 12:47
